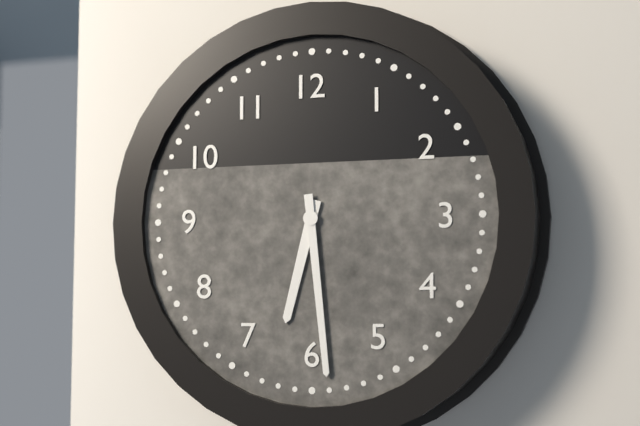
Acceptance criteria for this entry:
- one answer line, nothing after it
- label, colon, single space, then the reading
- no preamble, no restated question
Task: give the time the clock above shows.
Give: 6:29
